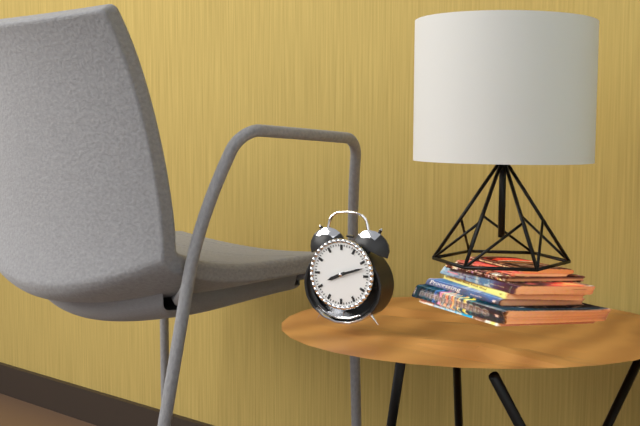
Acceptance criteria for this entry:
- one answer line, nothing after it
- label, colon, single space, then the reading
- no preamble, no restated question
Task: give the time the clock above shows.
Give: 8:12
